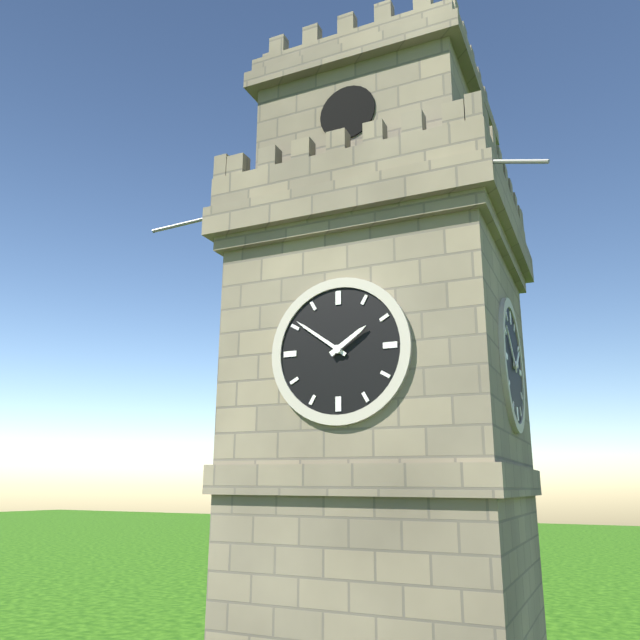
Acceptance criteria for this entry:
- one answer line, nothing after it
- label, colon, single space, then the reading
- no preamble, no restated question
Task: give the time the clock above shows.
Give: 1:51
